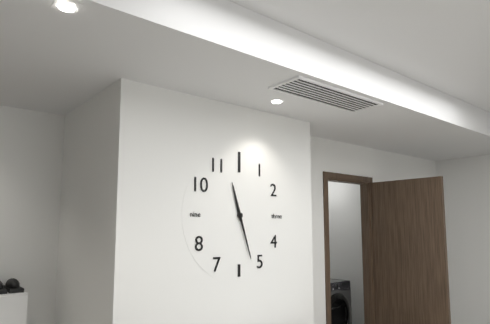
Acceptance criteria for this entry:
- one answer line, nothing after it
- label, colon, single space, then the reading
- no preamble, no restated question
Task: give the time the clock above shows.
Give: 11:27
